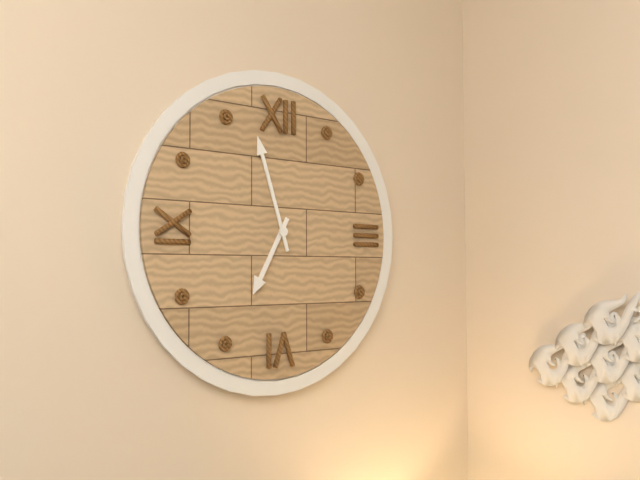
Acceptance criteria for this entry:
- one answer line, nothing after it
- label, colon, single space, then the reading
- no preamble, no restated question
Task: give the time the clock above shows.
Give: 6:57
